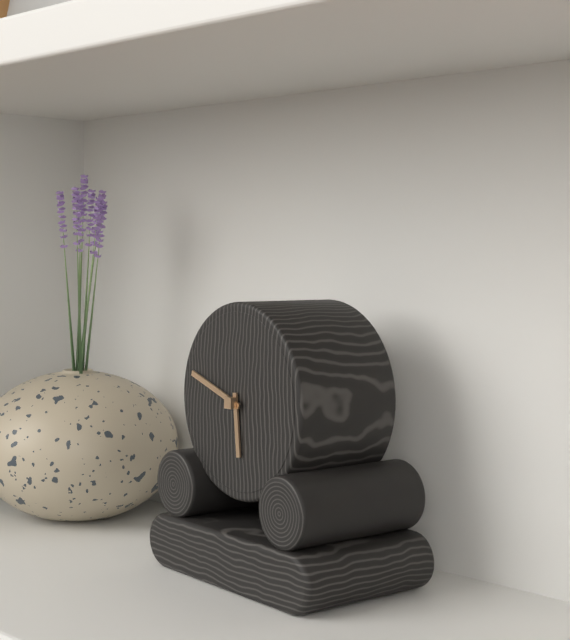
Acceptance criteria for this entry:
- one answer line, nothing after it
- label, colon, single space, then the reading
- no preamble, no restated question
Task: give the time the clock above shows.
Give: 5:48
